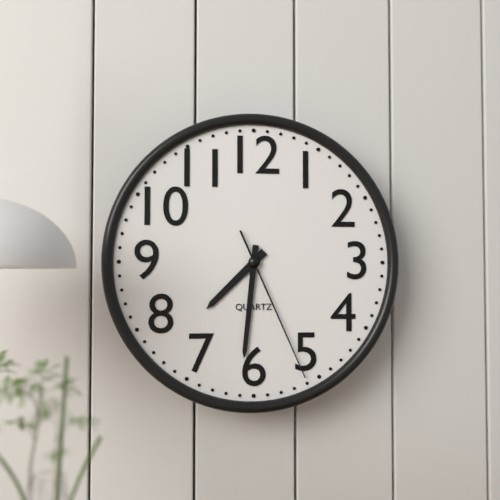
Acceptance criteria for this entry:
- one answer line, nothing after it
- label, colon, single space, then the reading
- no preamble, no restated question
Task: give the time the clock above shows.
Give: 7:31:26
